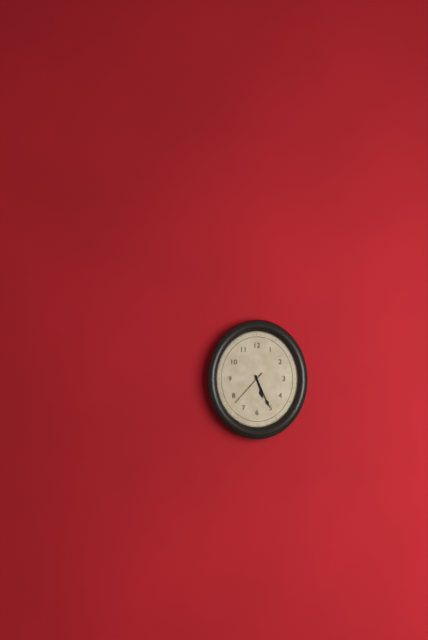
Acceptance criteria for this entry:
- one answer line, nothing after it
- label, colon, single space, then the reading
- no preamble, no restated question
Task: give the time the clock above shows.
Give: 5:26
